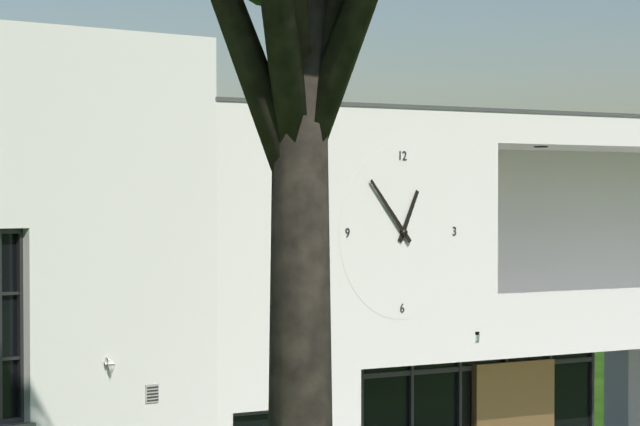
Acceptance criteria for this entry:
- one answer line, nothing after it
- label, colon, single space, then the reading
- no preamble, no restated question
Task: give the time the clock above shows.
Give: 12:53
